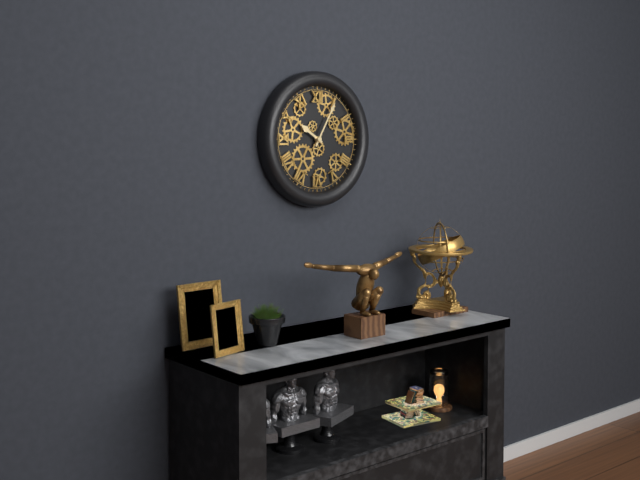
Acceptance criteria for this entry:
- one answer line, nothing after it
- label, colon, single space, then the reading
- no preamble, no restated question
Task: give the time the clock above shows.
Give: 10:05
